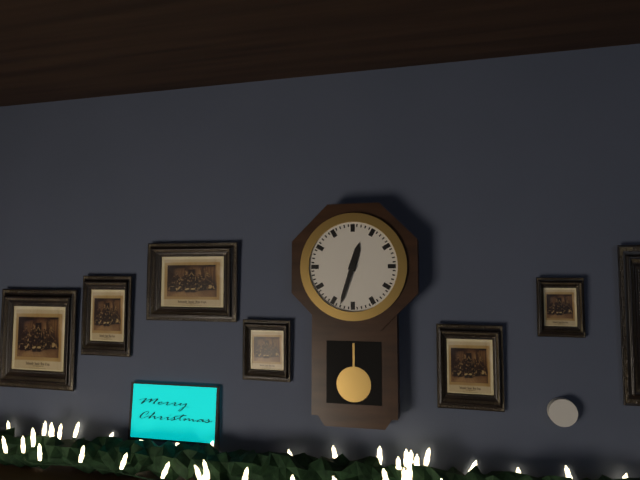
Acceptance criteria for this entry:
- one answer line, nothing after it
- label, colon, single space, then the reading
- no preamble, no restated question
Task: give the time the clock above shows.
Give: 12:33
